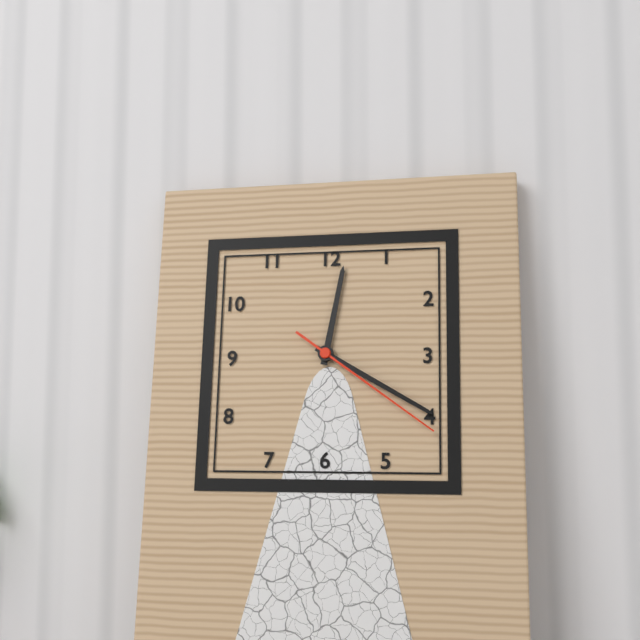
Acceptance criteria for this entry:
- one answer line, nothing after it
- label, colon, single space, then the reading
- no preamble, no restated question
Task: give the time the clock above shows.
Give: 12:20:21
